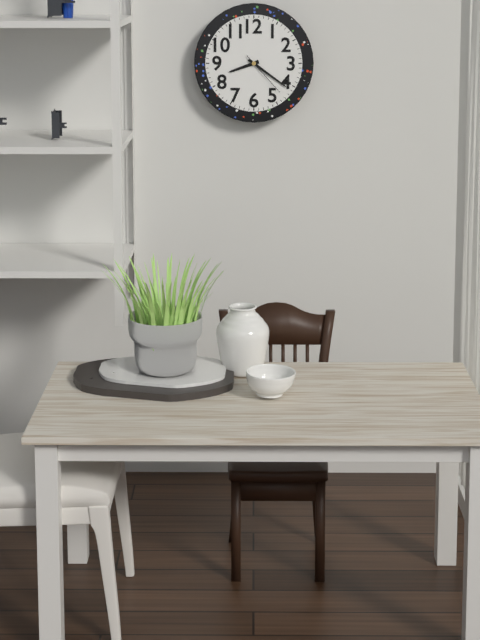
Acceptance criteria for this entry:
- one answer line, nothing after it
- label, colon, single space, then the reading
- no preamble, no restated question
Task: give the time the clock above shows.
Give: 8:21
